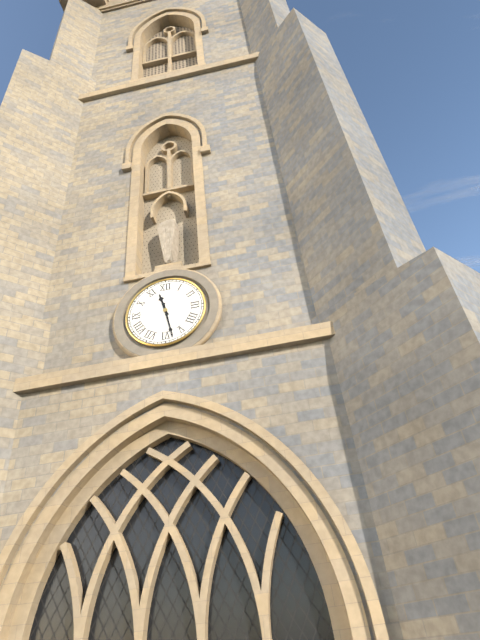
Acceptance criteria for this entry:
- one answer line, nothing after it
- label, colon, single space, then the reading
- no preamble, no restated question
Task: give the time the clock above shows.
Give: 11:28
